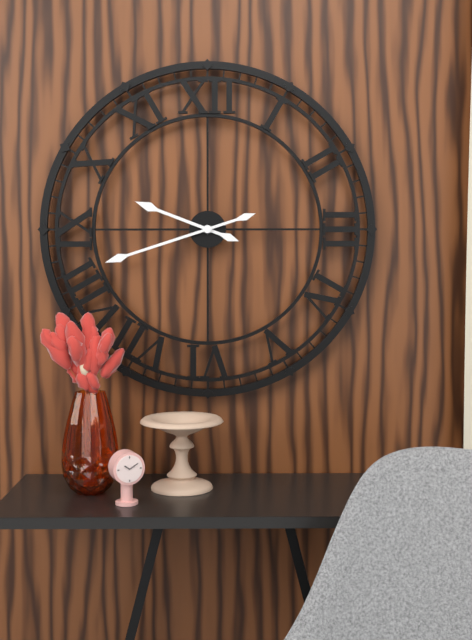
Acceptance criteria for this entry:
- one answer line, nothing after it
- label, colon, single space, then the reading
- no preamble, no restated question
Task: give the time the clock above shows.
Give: 9:42
